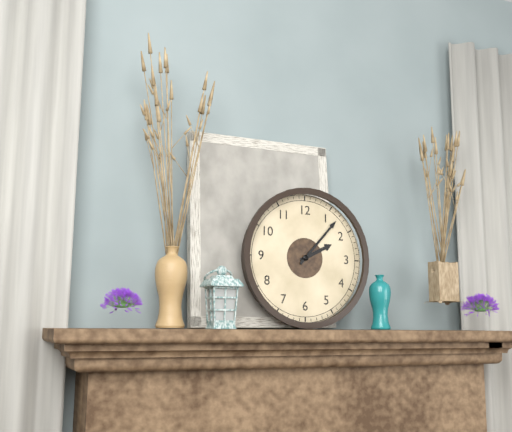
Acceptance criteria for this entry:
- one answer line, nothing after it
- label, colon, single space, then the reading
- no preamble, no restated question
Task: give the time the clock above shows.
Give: 2:07
